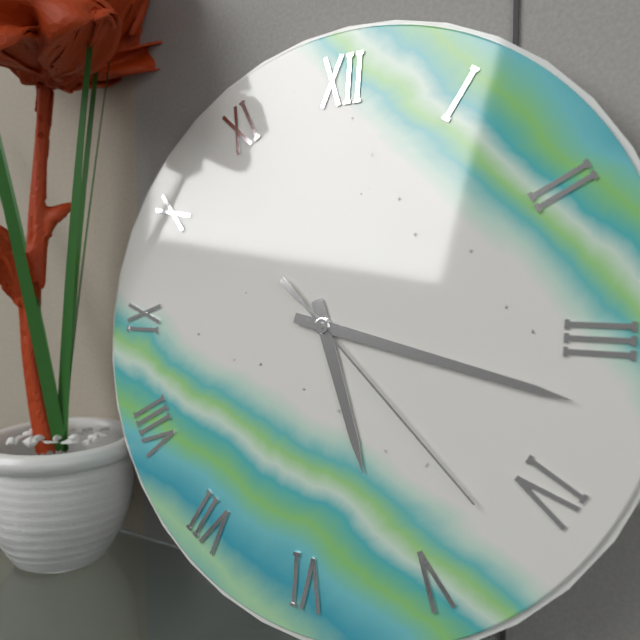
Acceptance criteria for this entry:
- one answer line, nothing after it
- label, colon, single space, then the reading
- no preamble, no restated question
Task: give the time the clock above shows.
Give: 5:17:22
